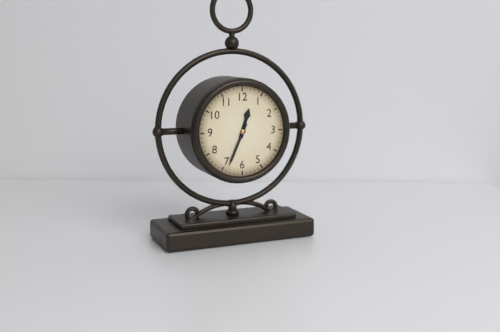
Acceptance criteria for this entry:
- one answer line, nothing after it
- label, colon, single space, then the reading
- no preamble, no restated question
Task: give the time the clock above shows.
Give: 12:34
